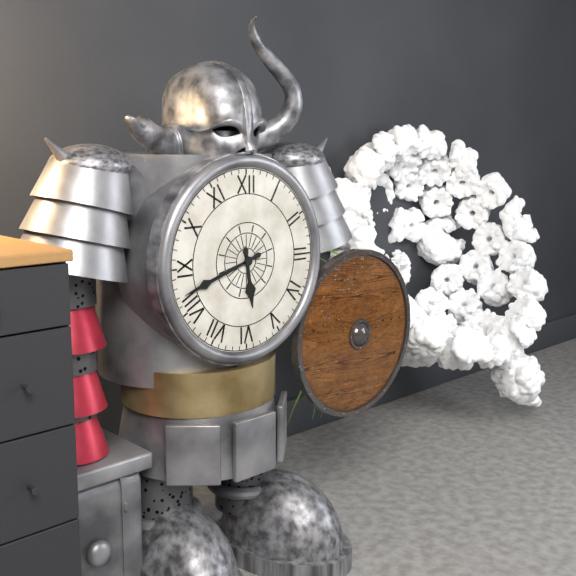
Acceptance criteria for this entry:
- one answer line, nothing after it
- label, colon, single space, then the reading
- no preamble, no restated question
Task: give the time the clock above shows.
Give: 5:42
